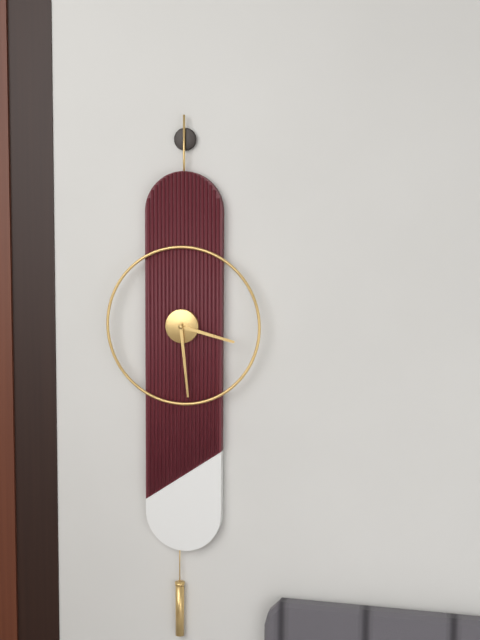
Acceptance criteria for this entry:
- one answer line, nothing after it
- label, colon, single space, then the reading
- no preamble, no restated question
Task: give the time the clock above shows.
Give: 3:29
